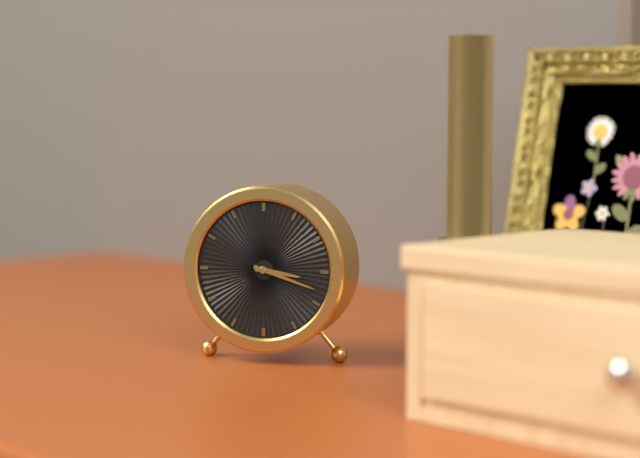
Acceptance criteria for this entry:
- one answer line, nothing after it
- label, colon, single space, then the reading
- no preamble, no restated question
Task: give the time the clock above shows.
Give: 3:18
